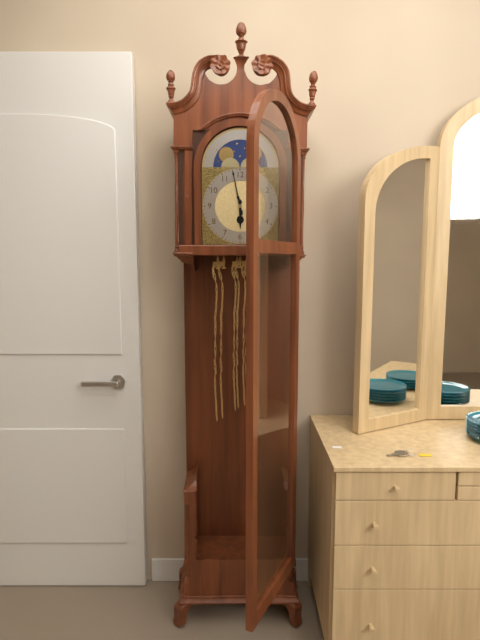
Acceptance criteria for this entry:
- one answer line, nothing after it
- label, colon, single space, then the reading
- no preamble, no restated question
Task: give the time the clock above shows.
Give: 5:58
